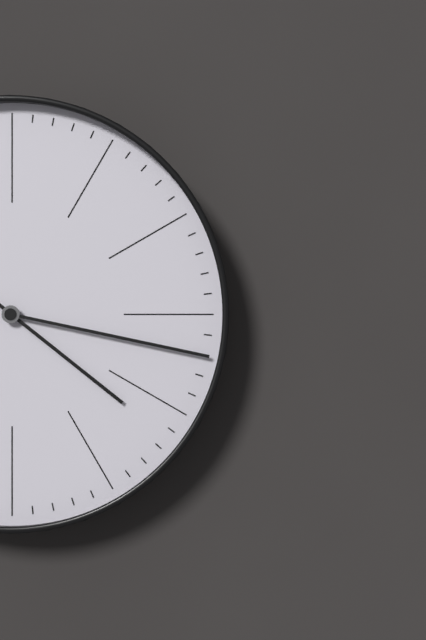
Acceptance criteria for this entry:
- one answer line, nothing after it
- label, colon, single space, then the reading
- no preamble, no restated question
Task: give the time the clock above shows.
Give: 4:17
